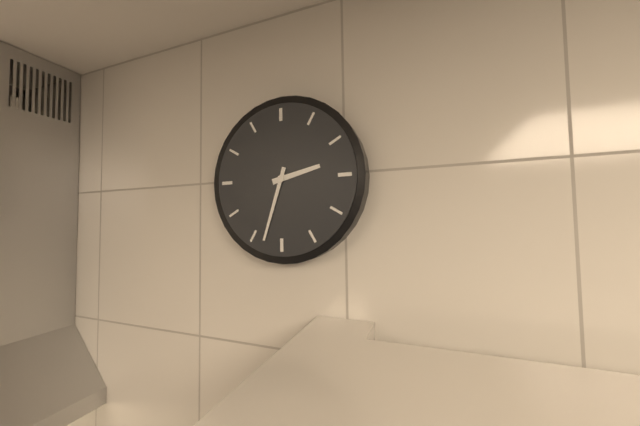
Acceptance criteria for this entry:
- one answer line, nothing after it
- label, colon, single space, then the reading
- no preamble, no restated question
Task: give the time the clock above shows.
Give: 2:33
